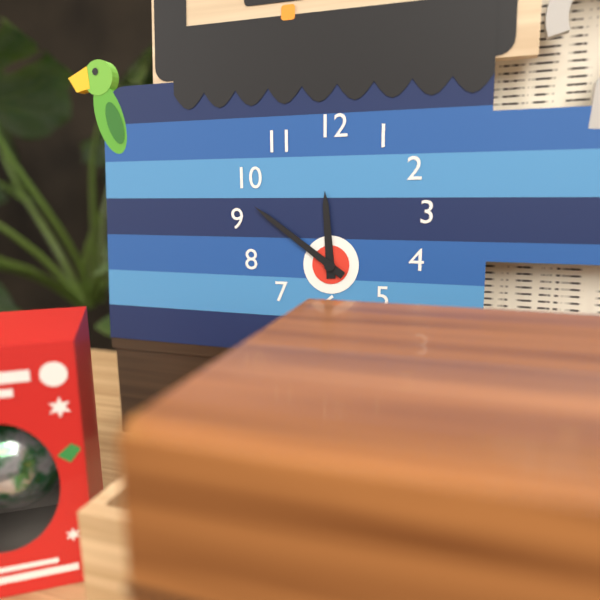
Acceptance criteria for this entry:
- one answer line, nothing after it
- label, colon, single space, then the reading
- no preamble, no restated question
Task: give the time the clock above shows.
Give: 11:51
